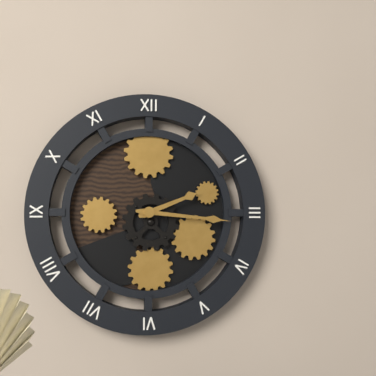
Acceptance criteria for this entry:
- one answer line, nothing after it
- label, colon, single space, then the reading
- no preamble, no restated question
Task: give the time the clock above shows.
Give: 2:16
